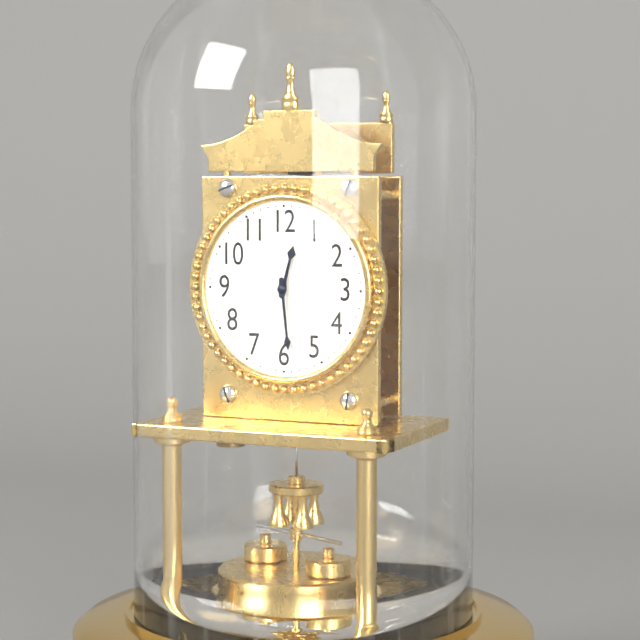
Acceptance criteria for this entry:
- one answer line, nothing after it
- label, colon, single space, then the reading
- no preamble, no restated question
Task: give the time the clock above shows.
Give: 12:29
